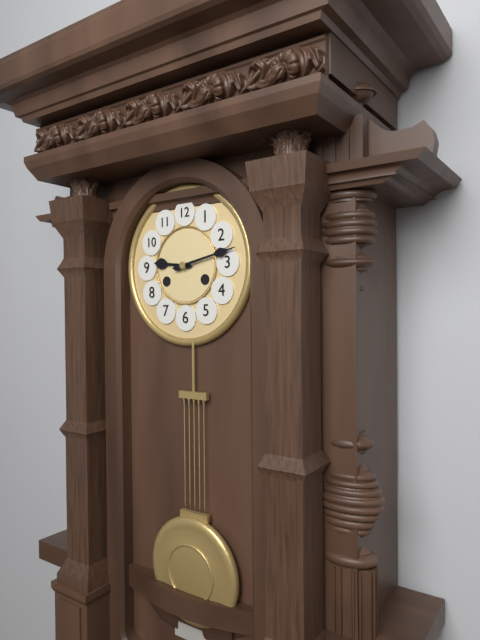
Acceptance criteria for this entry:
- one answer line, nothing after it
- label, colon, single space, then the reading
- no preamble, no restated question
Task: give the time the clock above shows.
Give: 9:13
